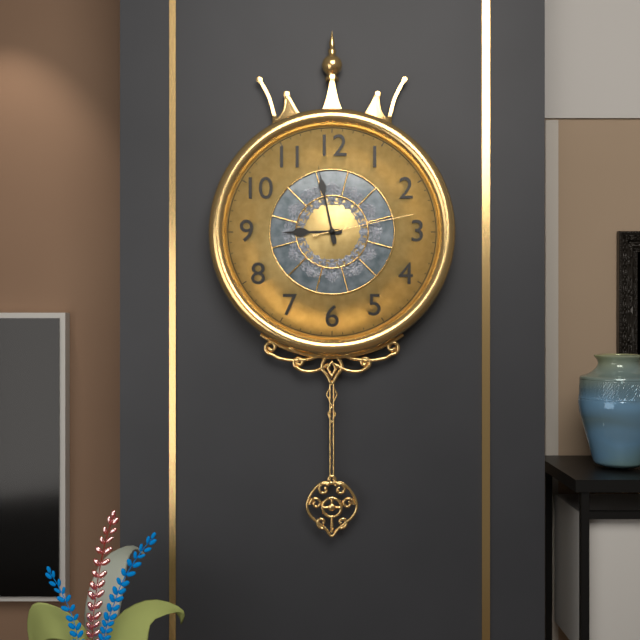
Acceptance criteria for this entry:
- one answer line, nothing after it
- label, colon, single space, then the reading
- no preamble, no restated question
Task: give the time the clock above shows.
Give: 8:58:13
